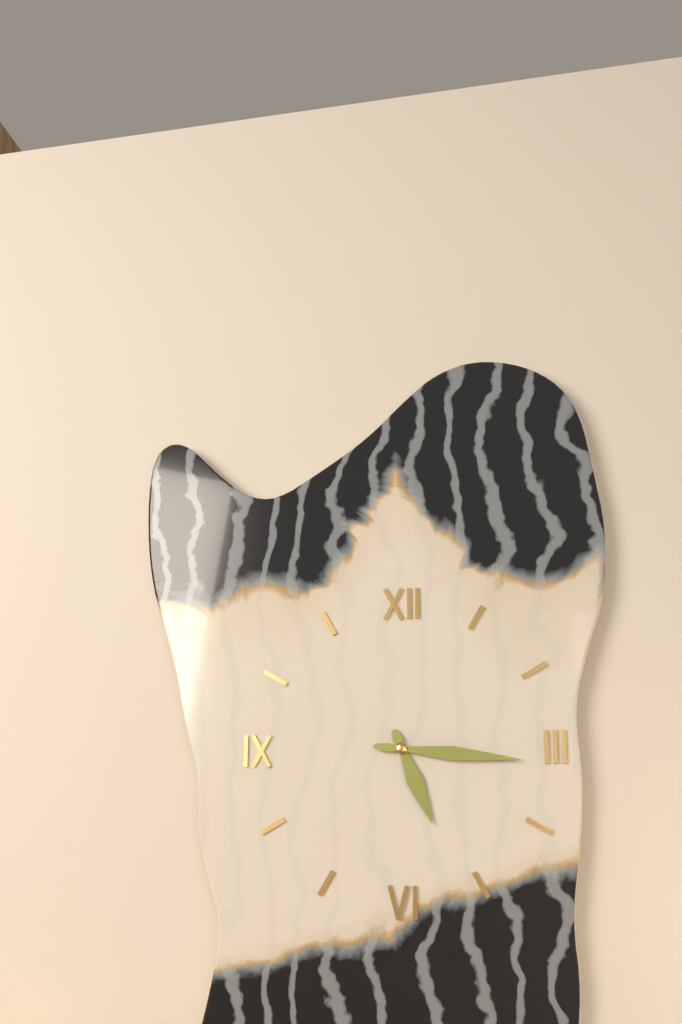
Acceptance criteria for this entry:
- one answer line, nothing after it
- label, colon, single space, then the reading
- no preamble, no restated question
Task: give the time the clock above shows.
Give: 5:16
